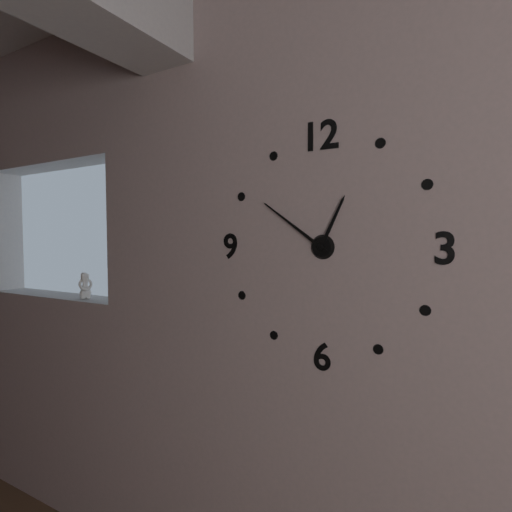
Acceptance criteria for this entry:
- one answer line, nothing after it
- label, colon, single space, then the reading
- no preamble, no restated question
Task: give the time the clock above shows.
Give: 12:51
